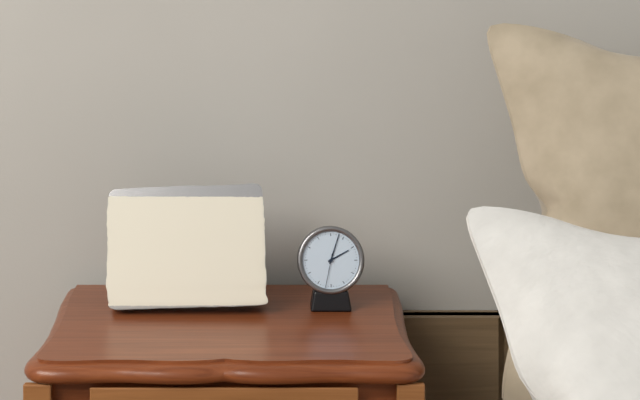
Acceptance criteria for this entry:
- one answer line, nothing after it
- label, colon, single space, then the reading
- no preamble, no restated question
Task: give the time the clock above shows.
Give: 2:03
